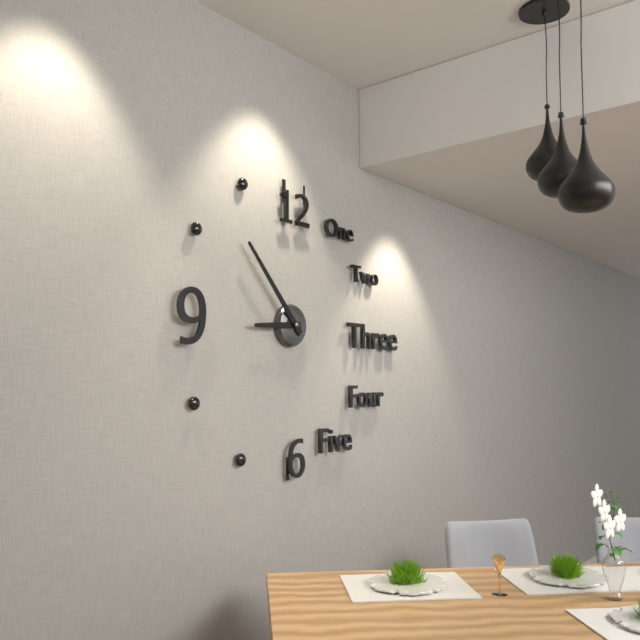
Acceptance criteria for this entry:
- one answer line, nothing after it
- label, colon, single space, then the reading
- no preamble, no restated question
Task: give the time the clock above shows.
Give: 8:53
